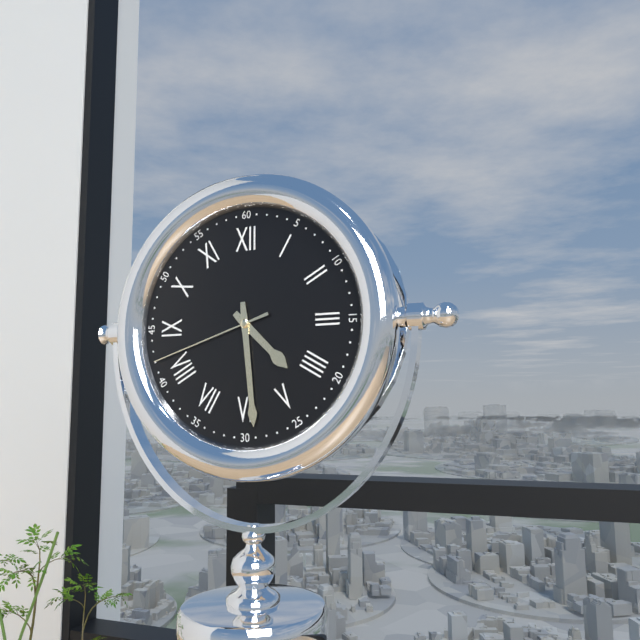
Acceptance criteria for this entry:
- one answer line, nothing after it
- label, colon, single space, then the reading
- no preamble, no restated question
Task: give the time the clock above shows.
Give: 4:29:42
